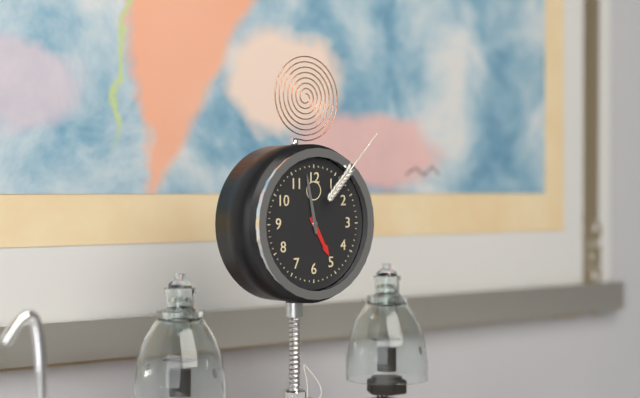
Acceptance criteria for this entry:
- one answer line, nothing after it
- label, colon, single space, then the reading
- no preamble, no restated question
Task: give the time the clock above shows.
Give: 4:58
